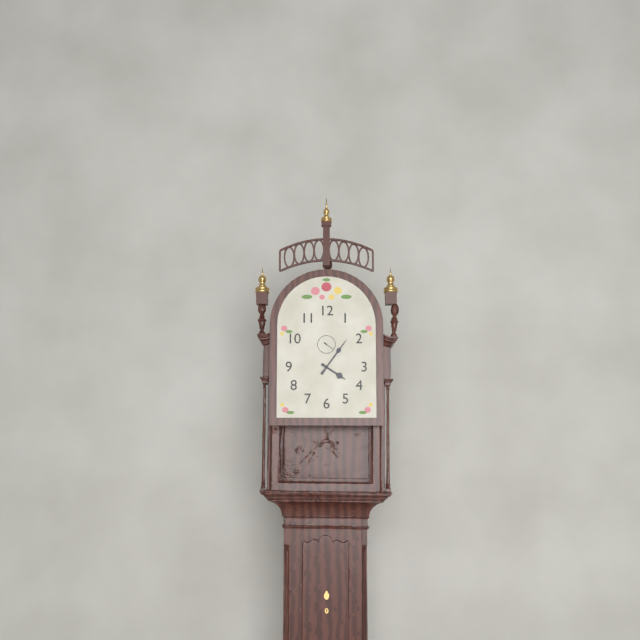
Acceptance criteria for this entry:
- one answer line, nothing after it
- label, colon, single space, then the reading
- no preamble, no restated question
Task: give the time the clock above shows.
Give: 4:06
